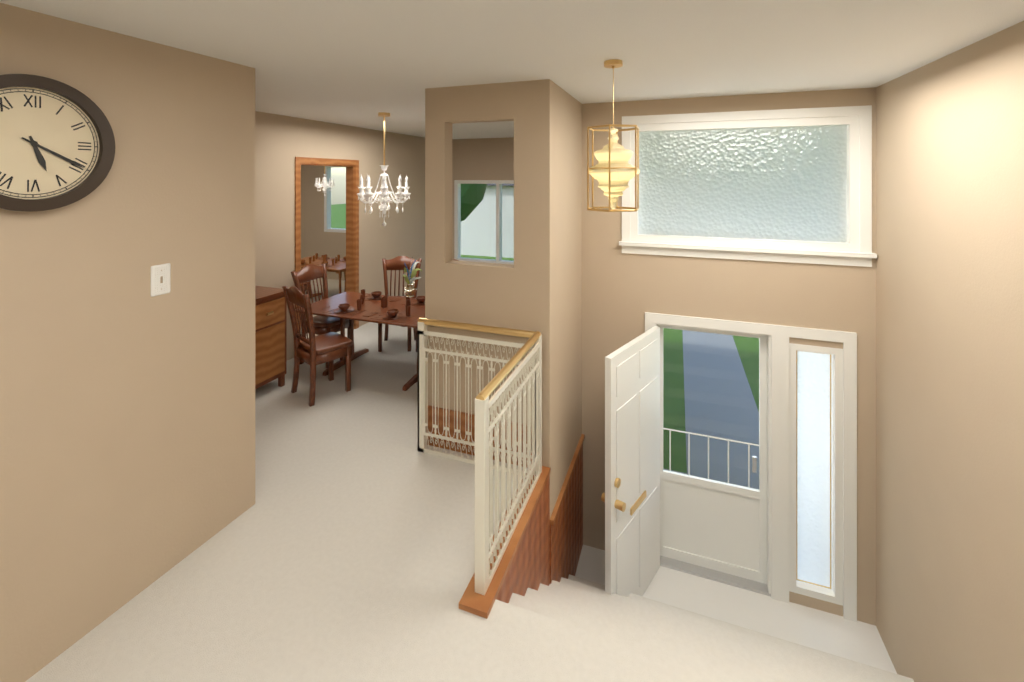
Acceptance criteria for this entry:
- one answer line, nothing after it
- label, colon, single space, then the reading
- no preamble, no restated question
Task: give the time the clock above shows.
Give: 5:20
